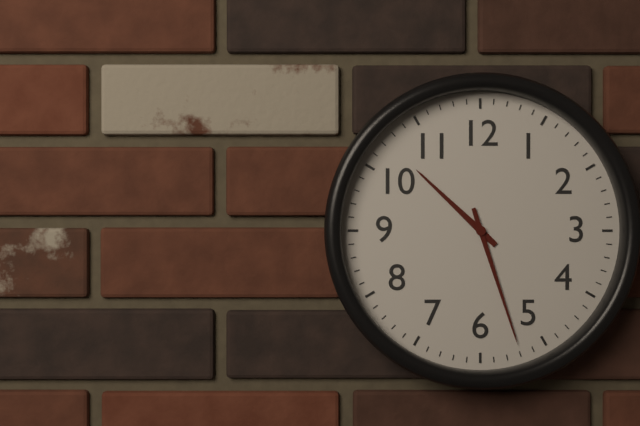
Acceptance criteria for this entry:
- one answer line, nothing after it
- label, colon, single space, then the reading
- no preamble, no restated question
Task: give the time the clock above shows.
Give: 10:27
